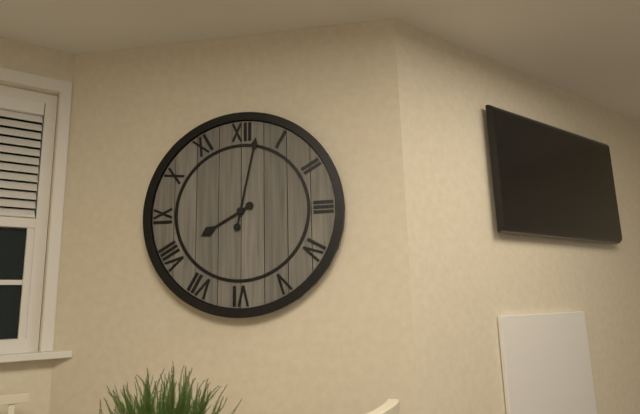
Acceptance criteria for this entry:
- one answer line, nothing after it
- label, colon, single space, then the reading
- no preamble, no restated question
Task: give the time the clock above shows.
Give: 8:02
